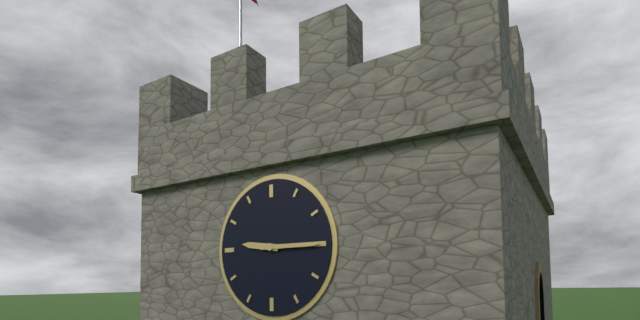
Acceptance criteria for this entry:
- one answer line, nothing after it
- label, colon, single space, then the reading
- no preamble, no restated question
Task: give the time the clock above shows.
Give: 9:15
